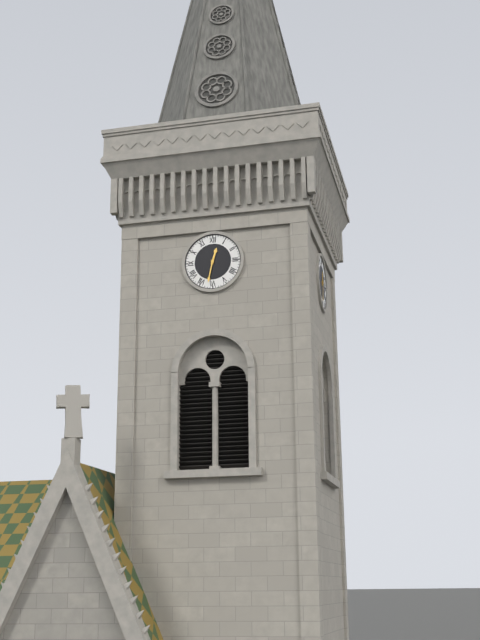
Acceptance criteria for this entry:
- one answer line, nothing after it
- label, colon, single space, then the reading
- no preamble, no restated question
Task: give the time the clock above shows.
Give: 12:32
